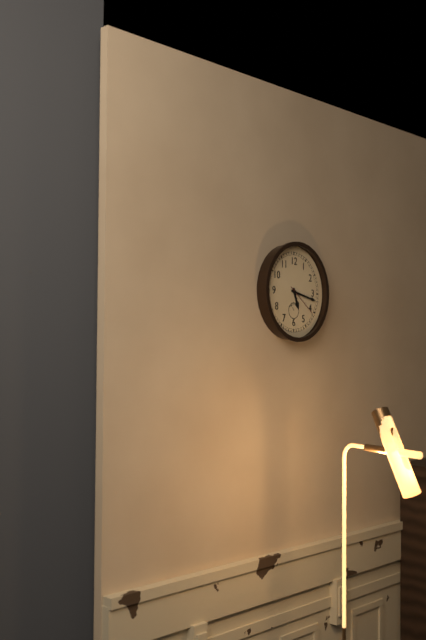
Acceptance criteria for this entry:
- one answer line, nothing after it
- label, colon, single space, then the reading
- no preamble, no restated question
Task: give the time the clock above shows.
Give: 5:17
